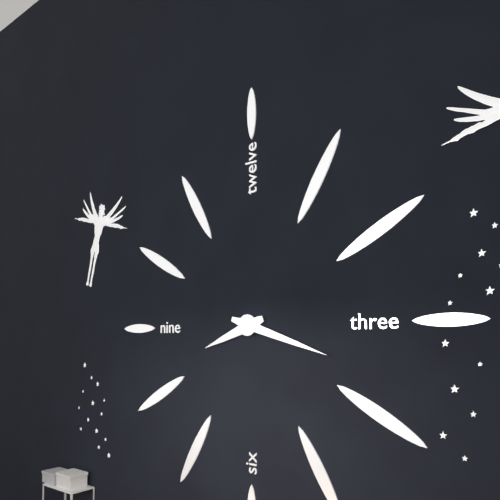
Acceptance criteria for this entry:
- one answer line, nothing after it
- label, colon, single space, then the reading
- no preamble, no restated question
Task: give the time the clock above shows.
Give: 8:18
